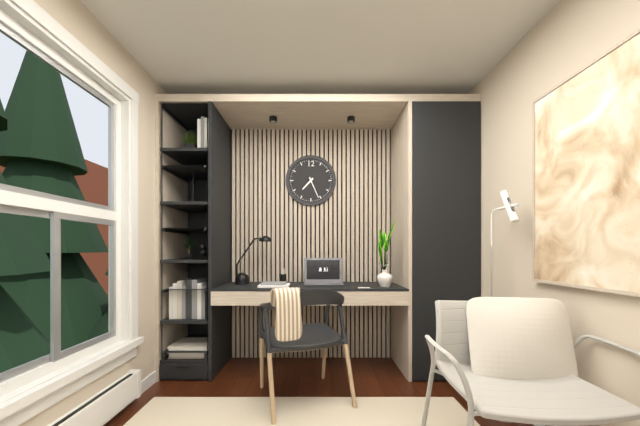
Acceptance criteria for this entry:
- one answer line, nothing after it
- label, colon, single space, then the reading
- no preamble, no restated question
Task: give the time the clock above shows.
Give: 7:26
